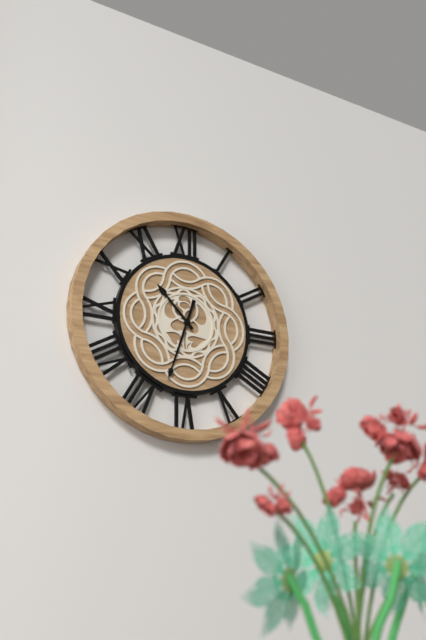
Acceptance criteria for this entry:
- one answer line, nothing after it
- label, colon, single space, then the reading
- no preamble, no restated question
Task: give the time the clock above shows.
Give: 10:33
